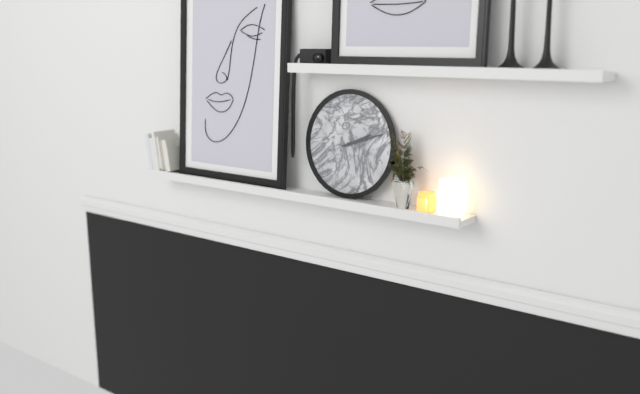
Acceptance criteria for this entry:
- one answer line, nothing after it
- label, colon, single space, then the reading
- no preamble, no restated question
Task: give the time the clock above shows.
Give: 2:12
